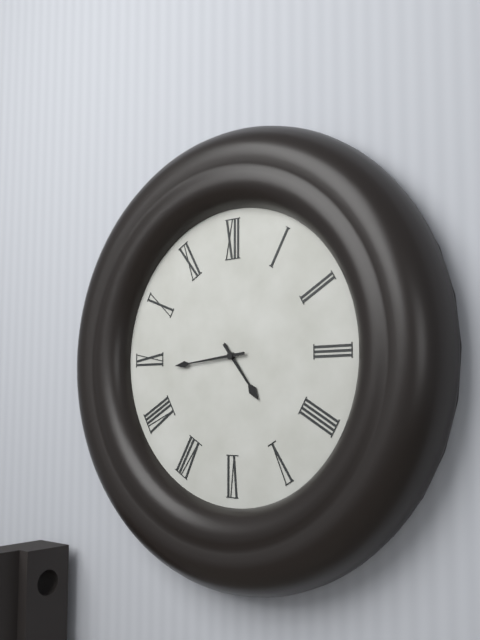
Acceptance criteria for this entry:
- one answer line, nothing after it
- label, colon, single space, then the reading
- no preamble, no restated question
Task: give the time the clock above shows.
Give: 4:44
